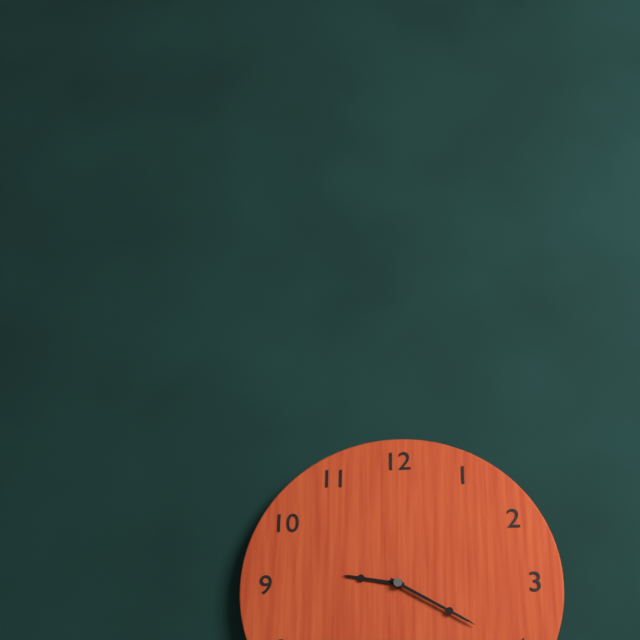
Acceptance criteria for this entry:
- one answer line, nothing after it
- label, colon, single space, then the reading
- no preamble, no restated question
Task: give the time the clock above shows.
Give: 9:20
